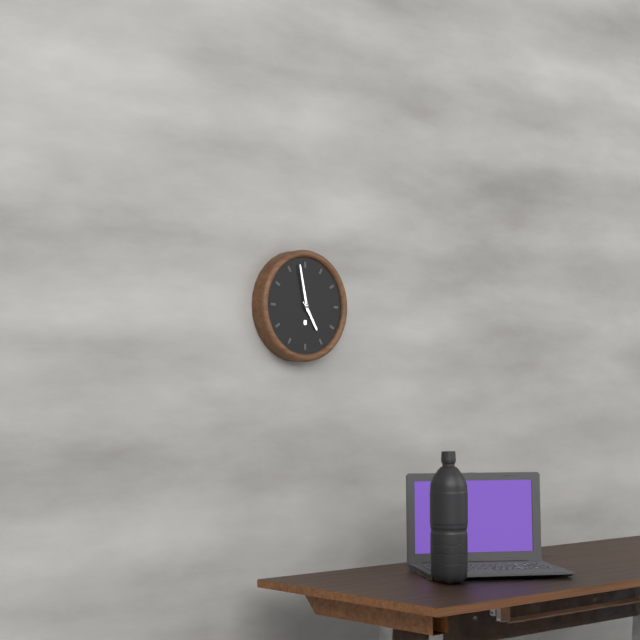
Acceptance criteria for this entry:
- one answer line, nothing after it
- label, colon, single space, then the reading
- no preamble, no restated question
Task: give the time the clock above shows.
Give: 4:58
